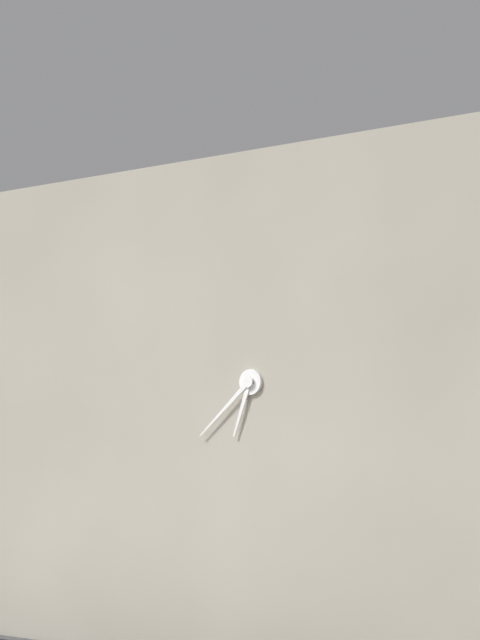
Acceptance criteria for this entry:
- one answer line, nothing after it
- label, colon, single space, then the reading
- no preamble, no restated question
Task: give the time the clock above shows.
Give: 6:38
